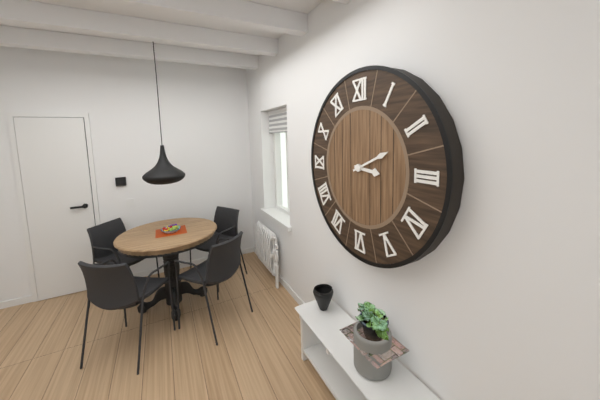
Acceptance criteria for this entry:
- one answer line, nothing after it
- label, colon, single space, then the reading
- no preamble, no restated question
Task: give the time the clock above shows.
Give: 3:11
